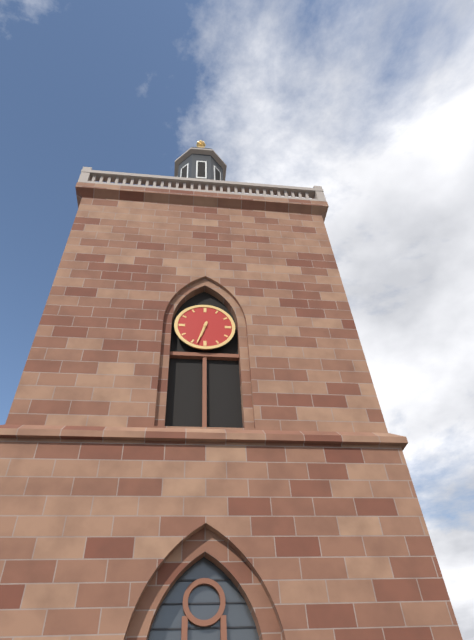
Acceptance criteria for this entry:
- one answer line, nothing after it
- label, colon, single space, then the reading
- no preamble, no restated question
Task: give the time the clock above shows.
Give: 6:33
